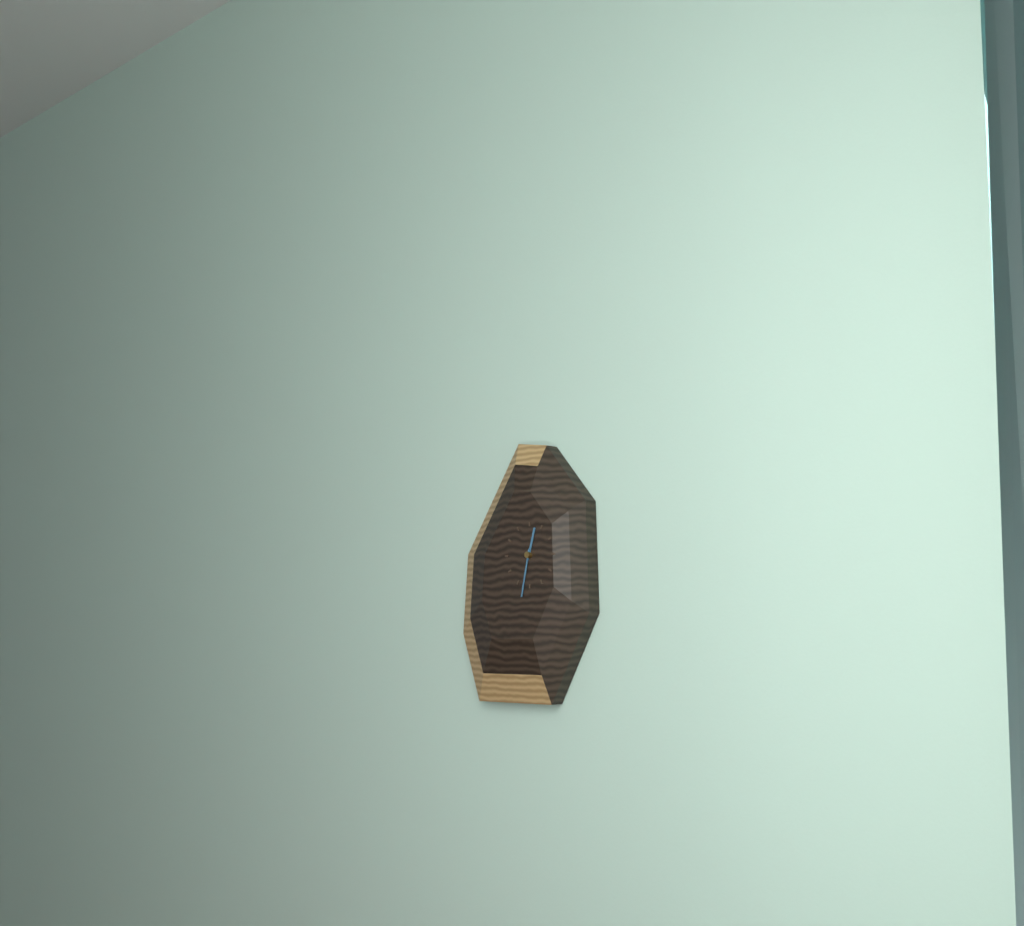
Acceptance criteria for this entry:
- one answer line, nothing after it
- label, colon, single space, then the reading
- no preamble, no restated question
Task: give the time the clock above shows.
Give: 12:32
